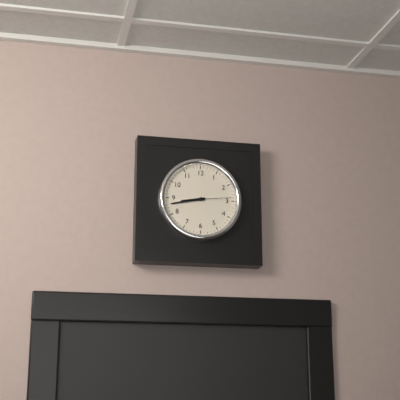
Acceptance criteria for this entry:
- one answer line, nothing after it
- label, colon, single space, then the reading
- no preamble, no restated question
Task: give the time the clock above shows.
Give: 8:43
